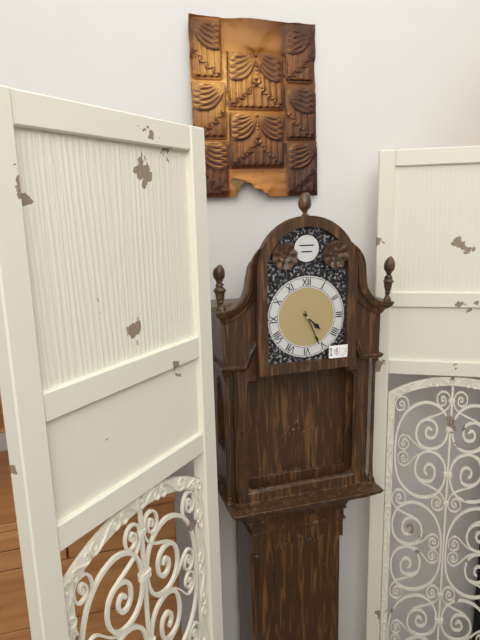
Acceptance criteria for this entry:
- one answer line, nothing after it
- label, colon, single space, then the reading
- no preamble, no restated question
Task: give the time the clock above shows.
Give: 4:26
